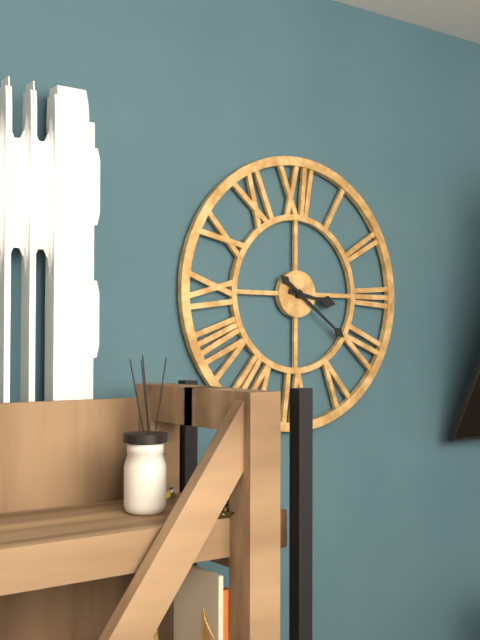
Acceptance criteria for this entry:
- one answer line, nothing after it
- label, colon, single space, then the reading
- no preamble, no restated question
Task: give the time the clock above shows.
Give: 3:21
